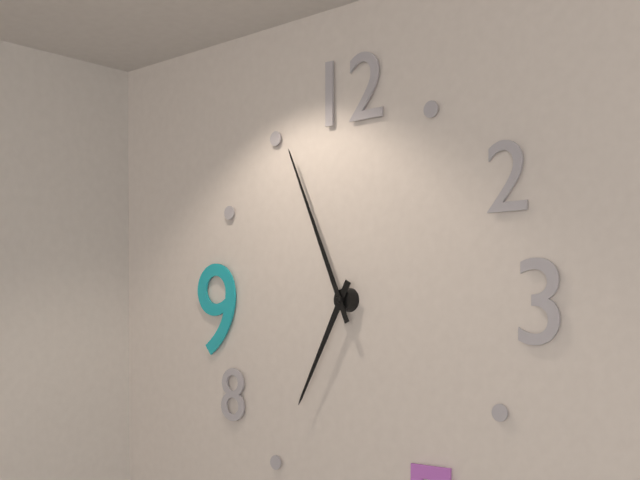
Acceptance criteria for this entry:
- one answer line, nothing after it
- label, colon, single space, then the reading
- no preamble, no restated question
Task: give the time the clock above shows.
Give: 6:56
